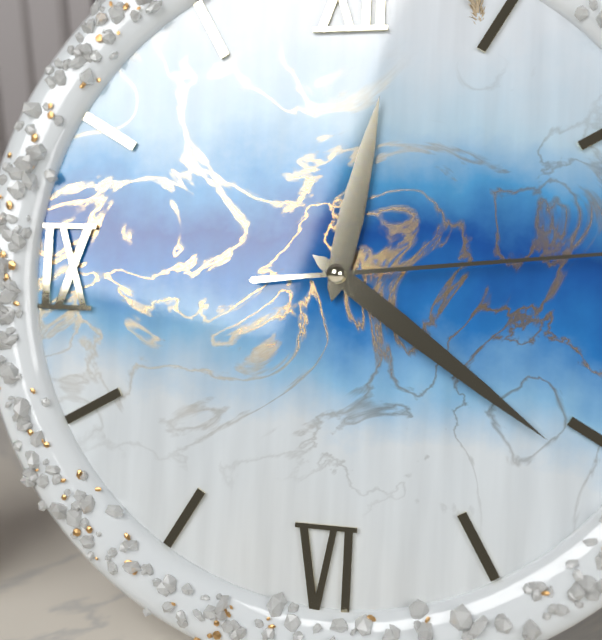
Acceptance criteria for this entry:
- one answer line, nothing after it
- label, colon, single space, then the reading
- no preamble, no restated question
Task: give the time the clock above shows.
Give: 12:21
